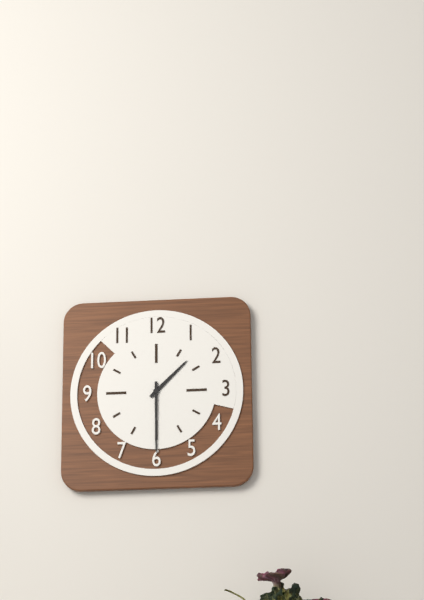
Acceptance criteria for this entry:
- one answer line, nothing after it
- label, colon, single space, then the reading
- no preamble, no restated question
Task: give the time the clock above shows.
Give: 1:30
